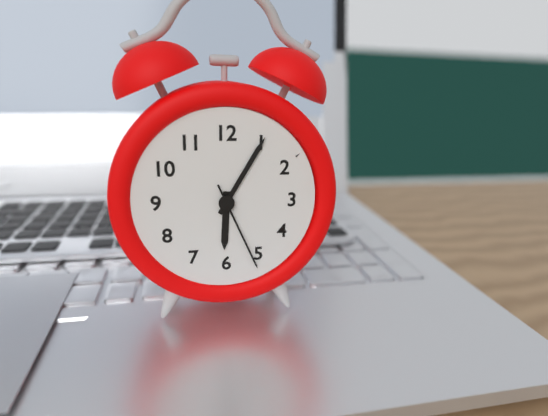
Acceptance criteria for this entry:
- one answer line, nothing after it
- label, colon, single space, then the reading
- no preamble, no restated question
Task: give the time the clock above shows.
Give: 6:05:26
